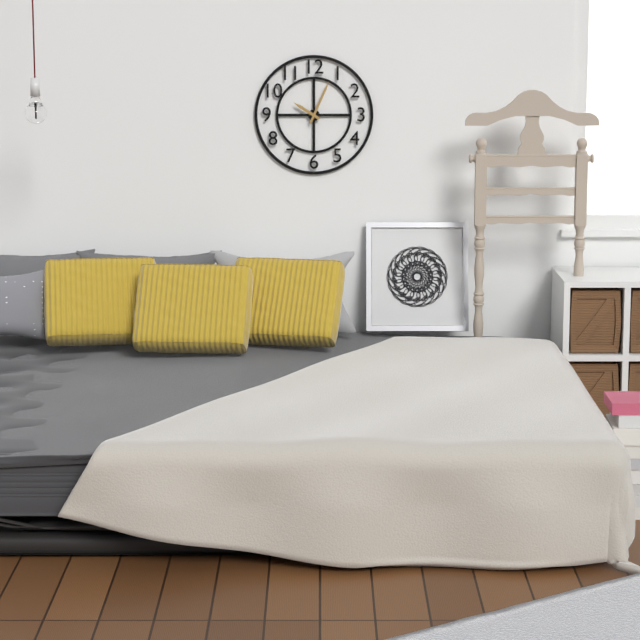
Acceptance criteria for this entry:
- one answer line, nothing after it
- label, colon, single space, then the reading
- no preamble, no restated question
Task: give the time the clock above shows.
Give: 10:04
